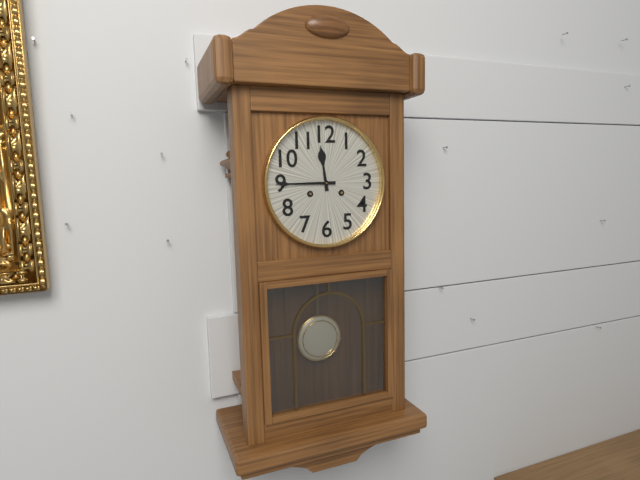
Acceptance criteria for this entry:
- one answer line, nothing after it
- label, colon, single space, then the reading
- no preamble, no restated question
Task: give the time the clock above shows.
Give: 11:45
